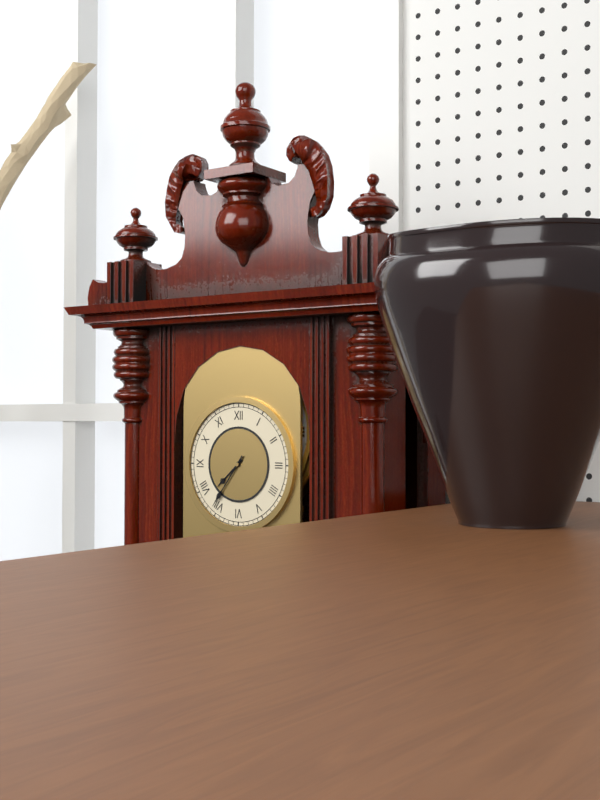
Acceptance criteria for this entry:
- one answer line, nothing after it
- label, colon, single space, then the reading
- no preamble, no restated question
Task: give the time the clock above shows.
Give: 7:36
